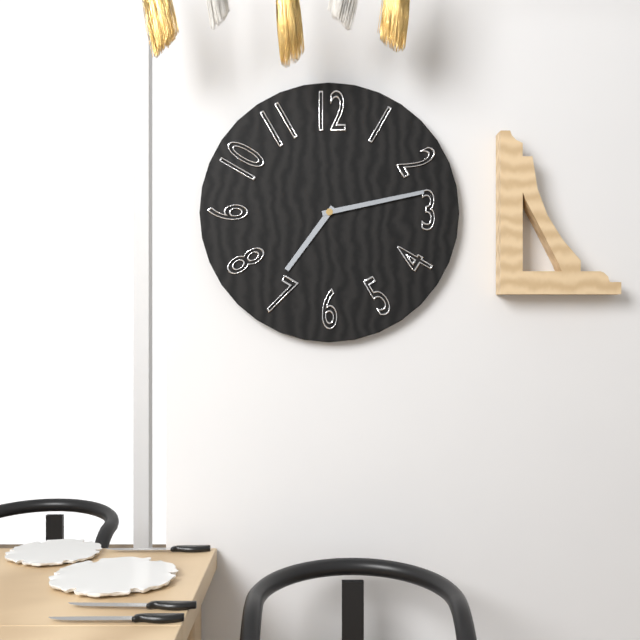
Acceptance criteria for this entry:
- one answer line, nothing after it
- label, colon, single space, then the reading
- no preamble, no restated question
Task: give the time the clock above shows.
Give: 7:13
